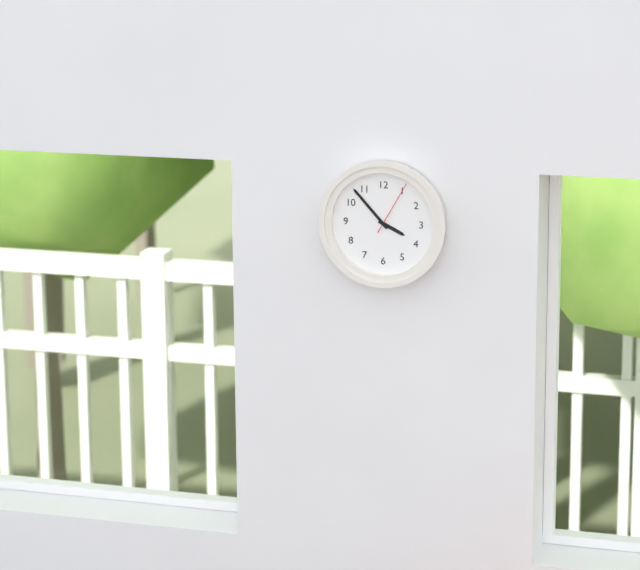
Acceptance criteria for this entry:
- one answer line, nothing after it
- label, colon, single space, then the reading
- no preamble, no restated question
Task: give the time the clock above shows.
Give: 3:53:05
